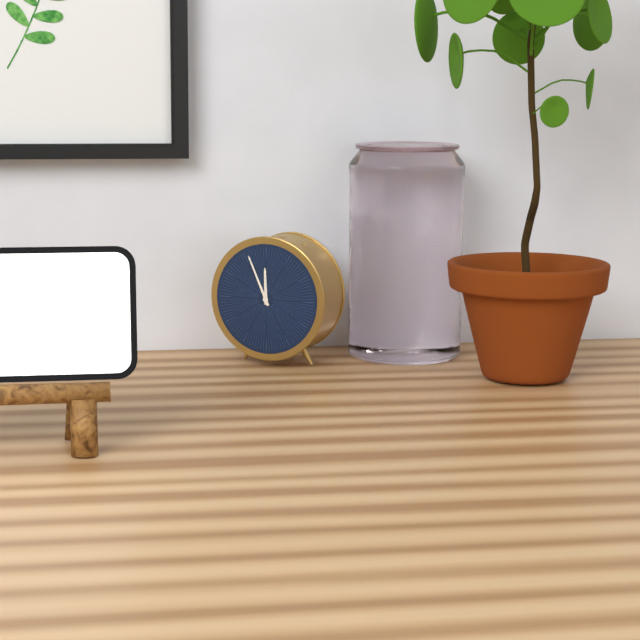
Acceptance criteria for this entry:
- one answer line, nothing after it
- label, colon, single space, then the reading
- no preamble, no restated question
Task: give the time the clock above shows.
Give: 11:56
